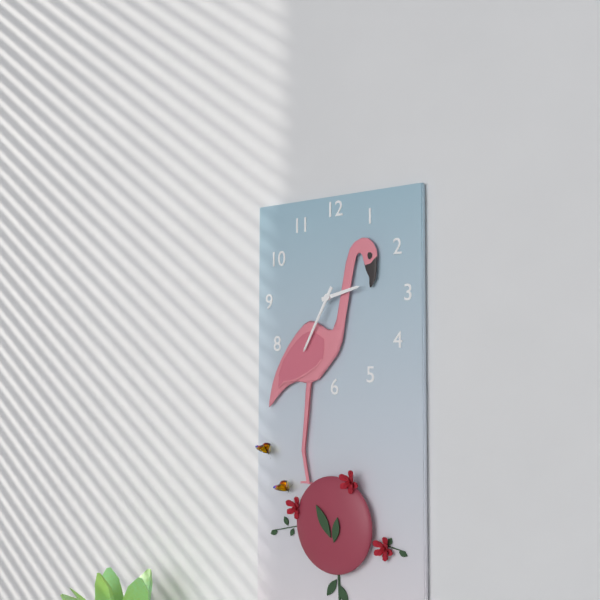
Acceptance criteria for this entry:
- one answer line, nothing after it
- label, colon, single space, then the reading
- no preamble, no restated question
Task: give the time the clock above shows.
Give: 2:35
